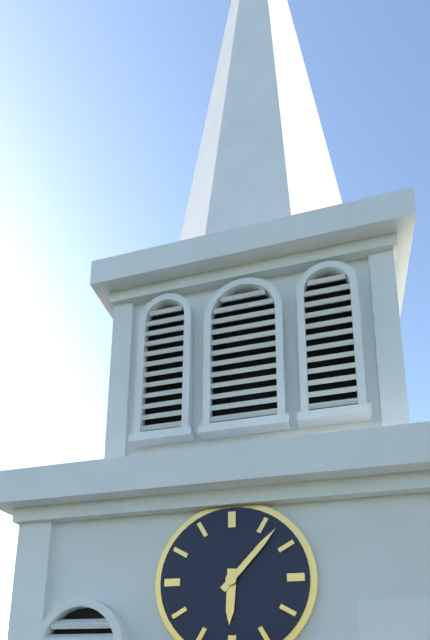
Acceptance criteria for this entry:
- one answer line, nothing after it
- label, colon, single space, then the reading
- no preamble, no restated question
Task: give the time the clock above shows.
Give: 6:07
